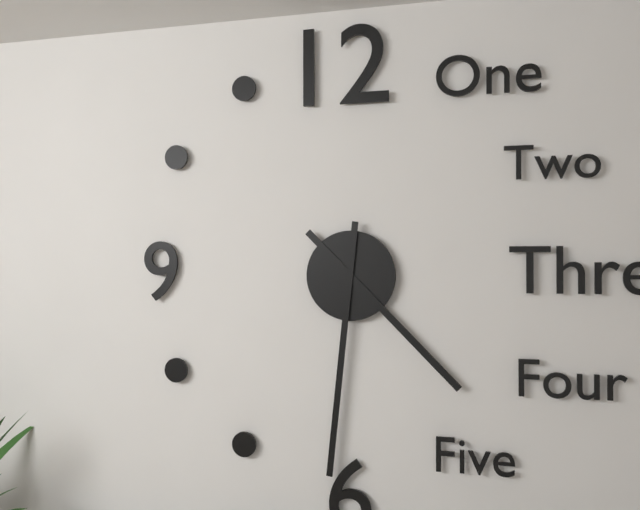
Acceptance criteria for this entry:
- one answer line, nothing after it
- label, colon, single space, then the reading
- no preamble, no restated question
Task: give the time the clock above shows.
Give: 4:31
